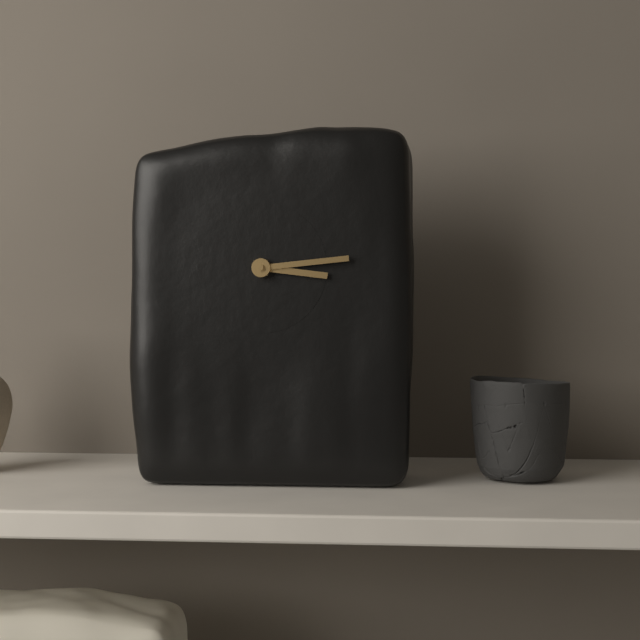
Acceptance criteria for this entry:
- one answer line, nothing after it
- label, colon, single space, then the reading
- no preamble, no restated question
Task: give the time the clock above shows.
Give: 3:14
